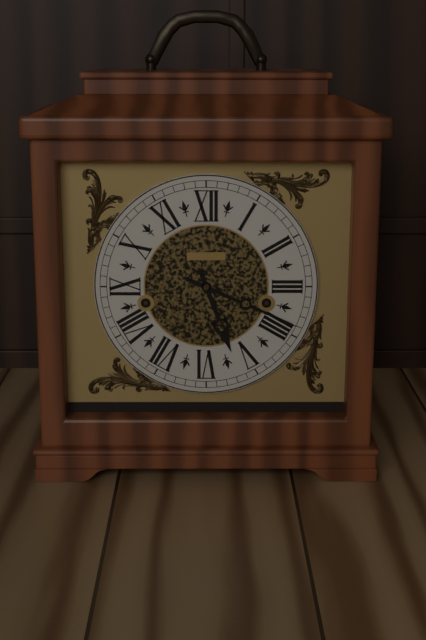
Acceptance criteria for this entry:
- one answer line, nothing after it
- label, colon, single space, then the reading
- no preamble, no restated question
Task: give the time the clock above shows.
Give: 5:19
